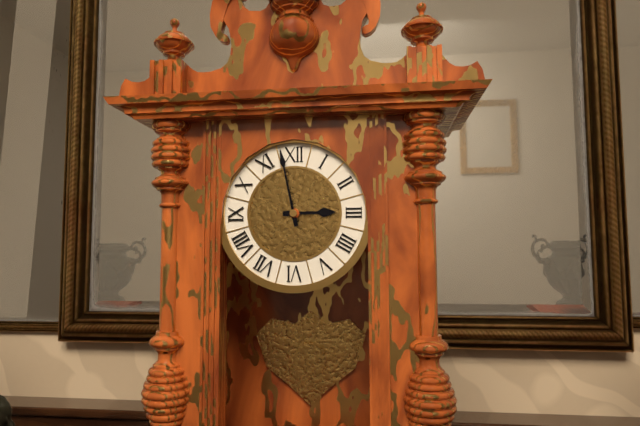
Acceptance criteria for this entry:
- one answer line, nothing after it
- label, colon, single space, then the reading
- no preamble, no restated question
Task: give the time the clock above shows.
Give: 2:58
